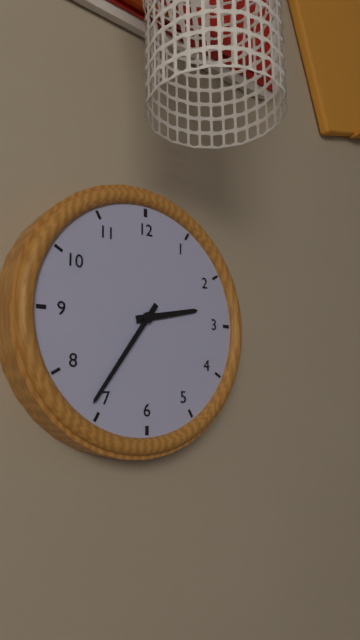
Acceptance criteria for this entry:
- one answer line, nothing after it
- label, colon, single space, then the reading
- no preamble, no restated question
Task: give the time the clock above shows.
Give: 2:36
